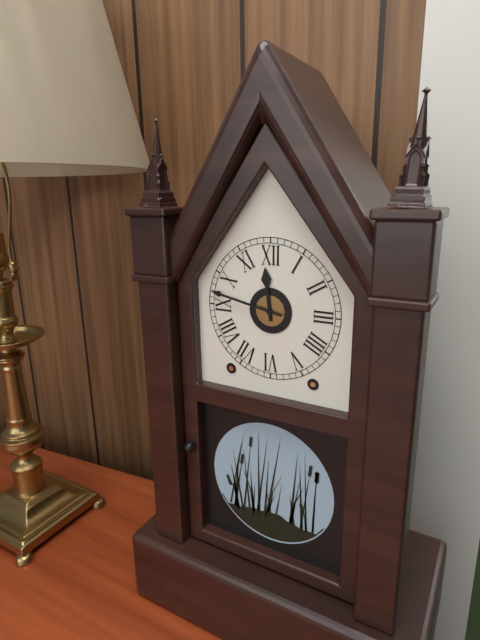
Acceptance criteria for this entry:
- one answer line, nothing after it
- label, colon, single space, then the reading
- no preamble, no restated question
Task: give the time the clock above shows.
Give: 11:47
